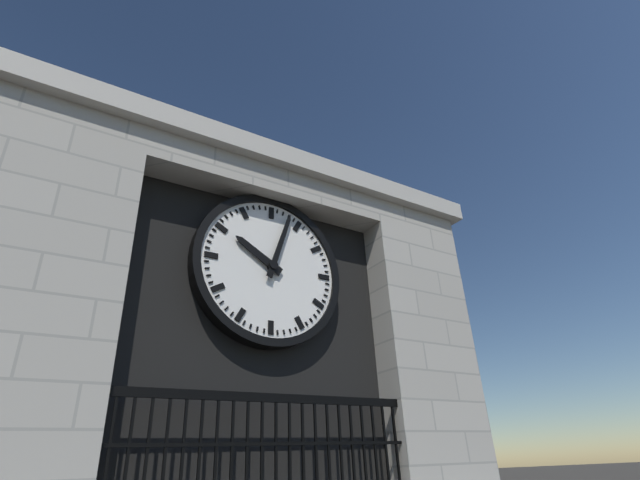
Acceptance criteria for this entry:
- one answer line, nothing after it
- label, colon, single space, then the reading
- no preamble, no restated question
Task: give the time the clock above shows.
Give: 10:03
